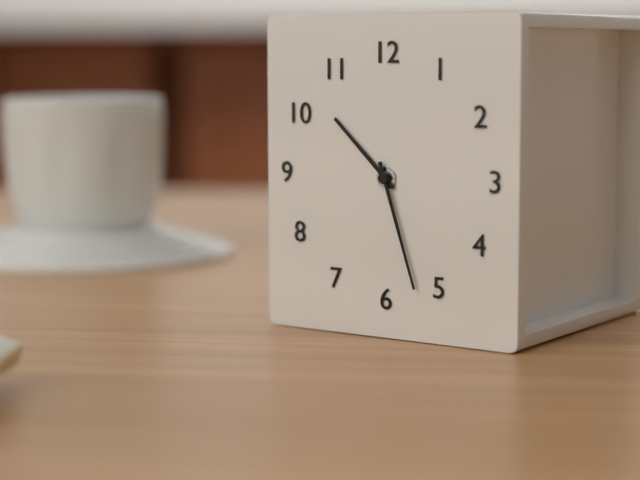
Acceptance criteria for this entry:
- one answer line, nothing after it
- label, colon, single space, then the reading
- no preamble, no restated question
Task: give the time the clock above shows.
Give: 10:27
